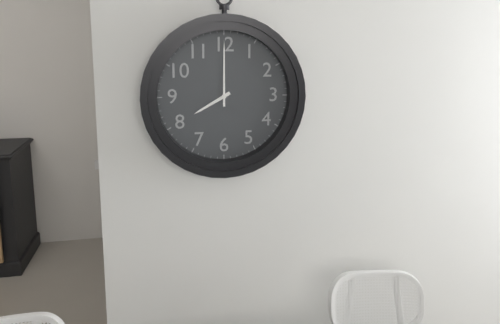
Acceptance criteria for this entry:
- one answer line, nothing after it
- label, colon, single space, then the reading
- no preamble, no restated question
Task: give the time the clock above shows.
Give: 8:00
